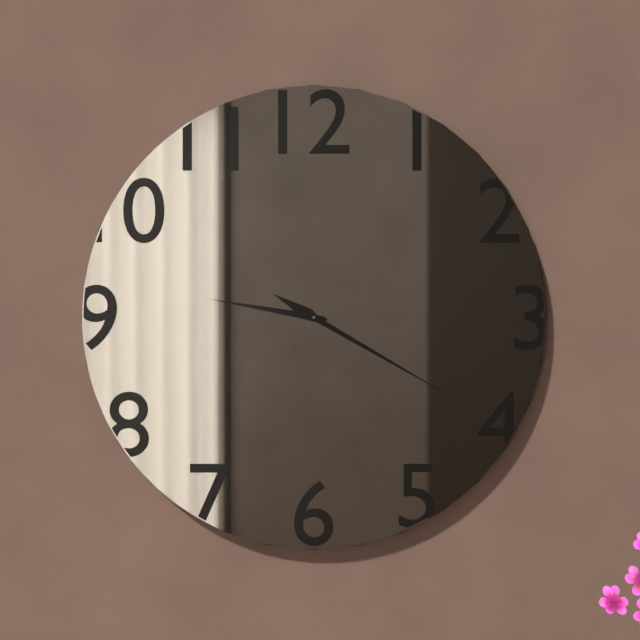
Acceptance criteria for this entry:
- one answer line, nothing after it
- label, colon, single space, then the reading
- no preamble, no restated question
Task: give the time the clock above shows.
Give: 9:20
